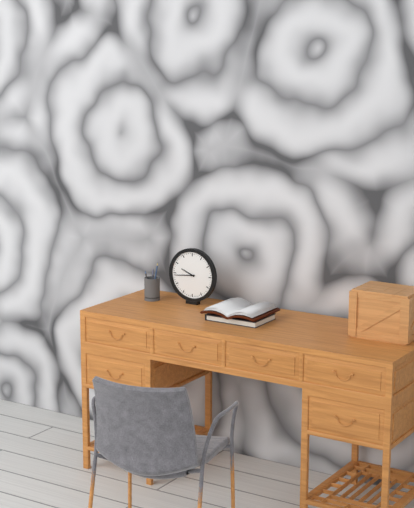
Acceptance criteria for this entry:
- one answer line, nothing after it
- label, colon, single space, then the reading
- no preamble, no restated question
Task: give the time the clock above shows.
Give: 9:44
